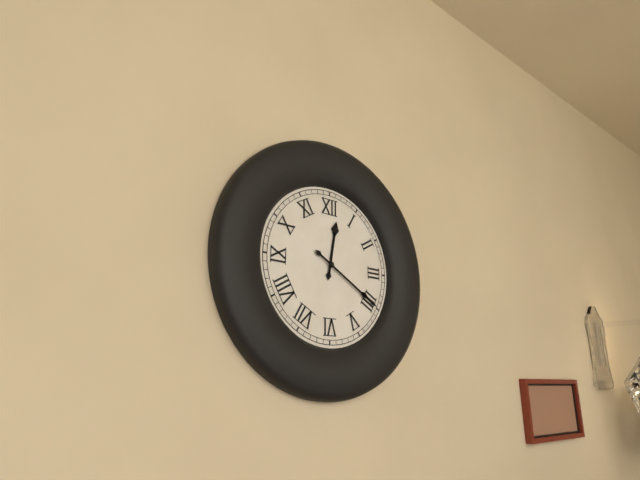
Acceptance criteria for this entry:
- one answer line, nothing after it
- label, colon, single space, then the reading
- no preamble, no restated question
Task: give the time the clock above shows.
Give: 12:20
